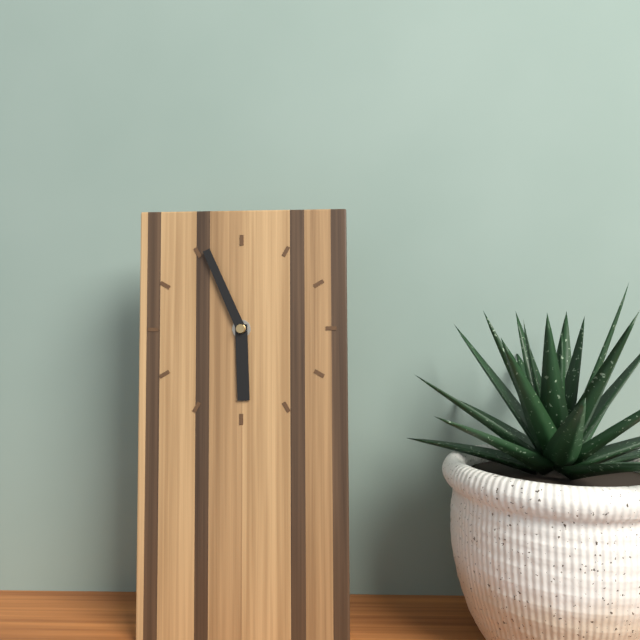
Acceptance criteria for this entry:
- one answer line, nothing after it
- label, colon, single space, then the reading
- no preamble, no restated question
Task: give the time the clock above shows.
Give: 5:56
